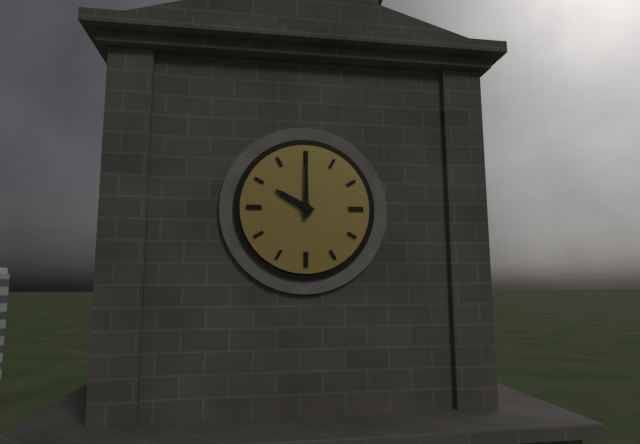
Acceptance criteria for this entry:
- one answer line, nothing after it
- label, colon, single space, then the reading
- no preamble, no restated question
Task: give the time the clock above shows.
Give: 10:00
